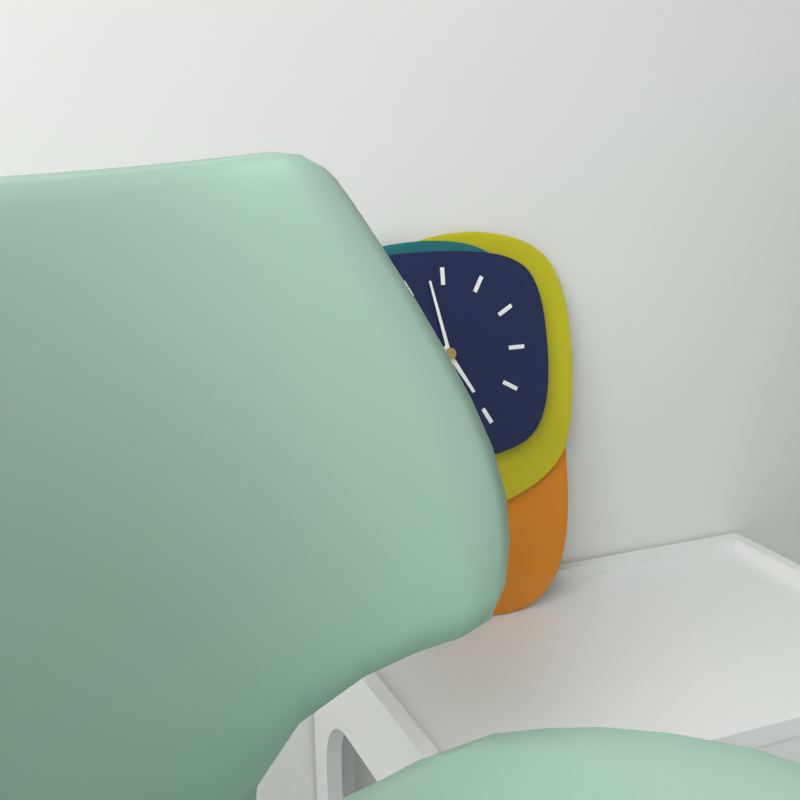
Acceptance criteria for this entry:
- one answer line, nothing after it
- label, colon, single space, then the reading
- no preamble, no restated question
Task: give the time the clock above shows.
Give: 4:58
